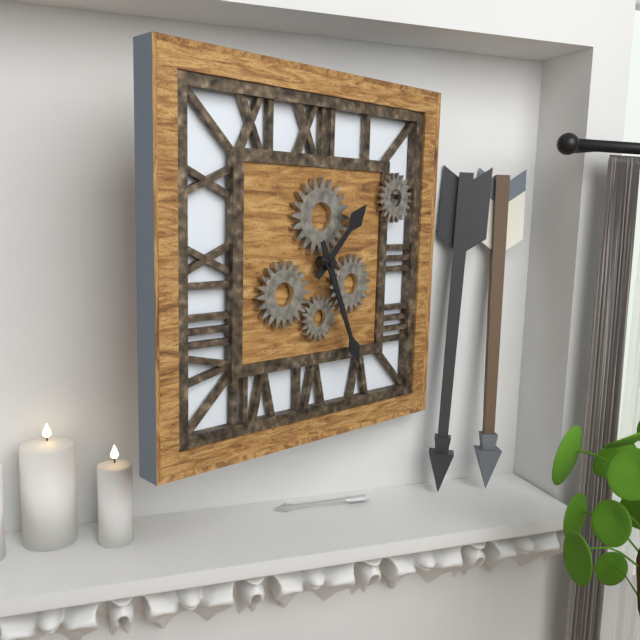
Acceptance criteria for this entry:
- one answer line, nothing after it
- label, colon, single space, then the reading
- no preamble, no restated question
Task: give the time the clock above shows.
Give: 1:26
